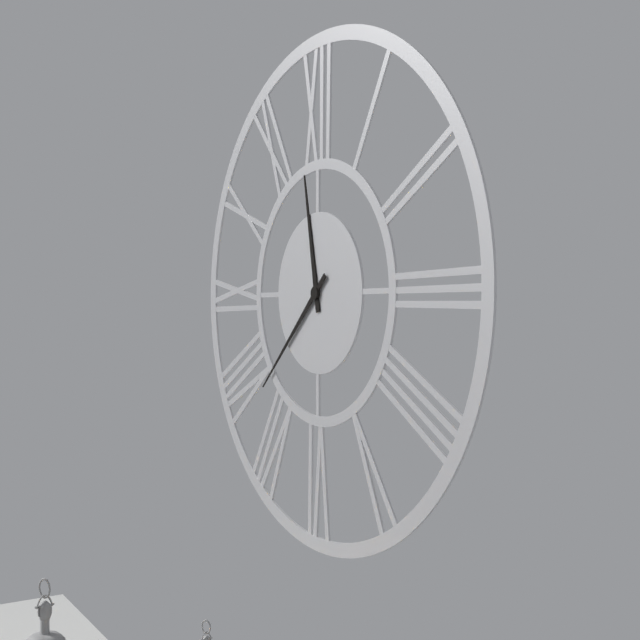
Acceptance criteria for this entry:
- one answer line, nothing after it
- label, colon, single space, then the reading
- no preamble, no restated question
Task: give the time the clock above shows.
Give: 11:38
